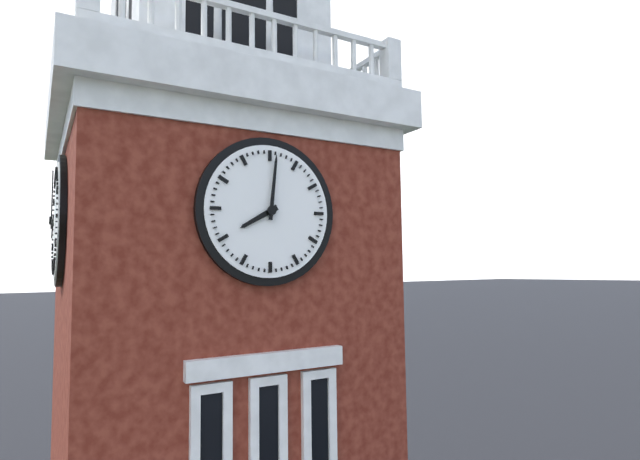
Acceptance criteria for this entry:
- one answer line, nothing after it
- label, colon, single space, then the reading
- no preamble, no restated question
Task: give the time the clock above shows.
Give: 8:01
